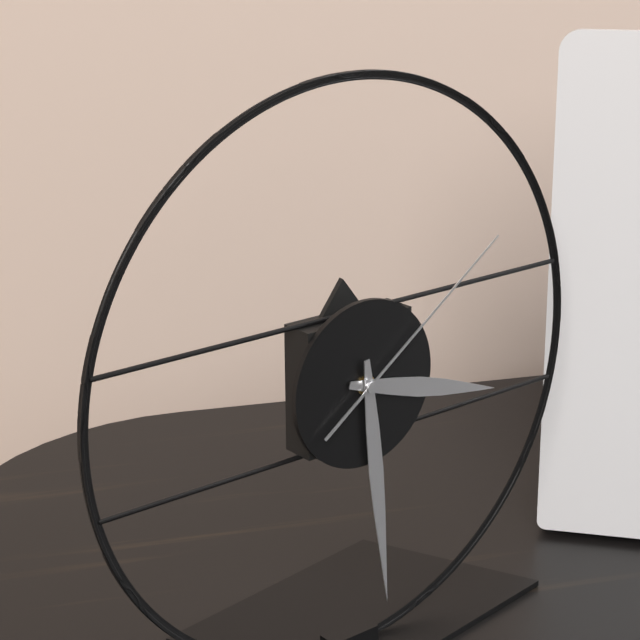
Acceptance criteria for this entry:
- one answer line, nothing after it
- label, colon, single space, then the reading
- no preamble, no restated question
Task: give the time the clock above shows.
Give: 3:29:09
